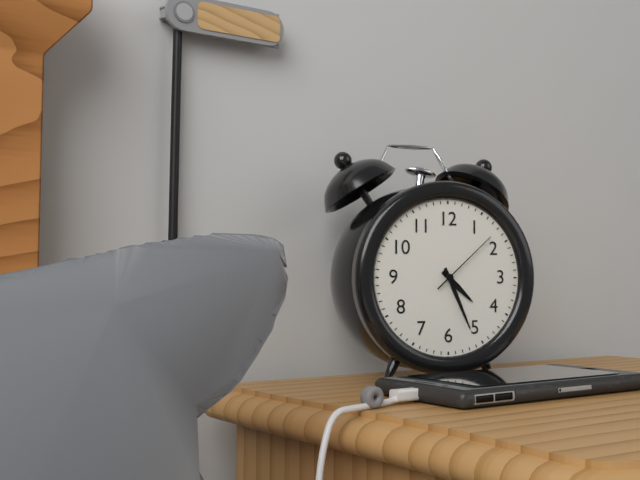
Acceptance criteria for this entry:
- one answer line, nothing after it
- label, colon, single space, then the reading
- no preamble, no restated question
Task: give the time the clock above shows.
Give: 4:26:08
